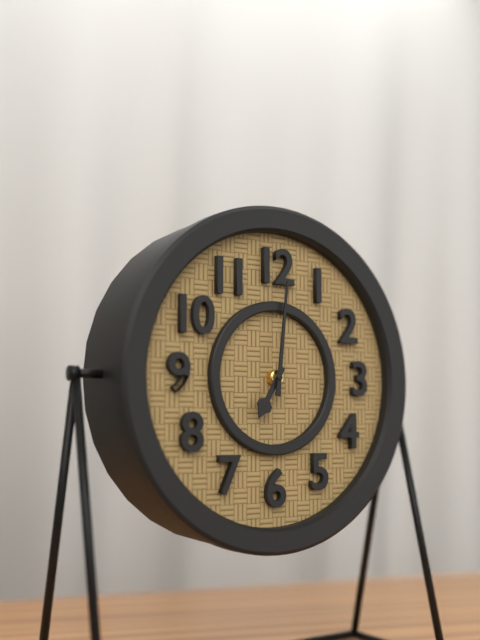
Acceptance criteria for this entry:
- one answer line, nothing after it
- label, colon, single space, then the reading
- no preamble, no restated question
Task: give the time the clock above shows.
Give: 7:01
